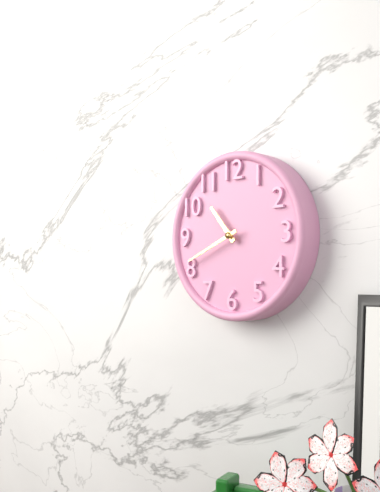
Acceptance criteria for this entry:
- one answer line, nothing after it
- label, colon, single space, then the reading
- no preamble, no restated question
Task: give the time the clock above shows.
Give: 10:41
